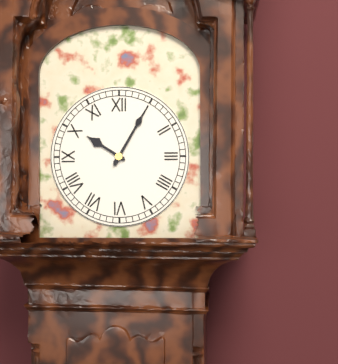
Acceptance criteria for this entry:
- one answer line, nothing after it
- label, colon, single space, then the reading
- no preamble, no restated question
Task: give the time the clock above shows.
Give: 10:05
